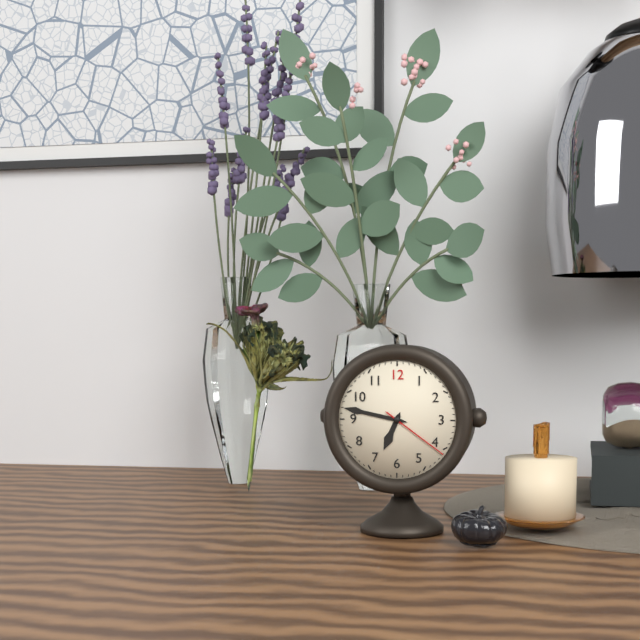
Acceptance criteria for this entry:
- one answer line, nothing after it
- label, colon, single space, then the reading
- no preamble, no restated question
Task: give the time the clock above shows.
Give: 6:47:21
